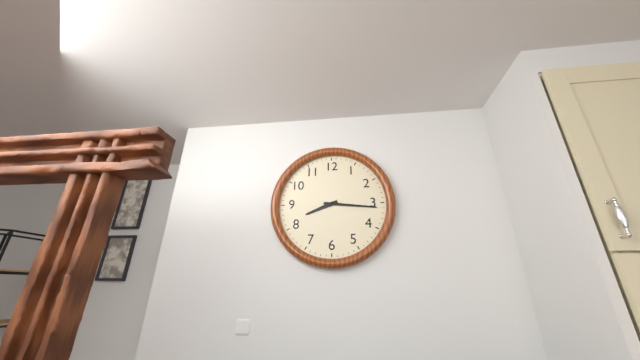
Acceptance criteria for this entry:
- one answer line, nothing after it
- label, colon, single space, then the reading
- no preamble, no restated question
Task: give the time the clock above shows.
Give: 8:16
